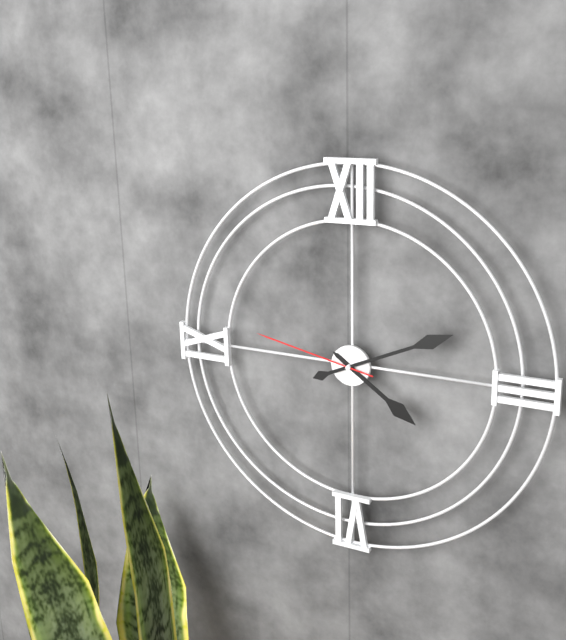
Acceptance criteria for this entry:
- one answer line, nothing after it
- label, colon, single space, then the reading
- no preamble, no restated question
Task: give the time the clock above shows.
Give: 4:11:47
